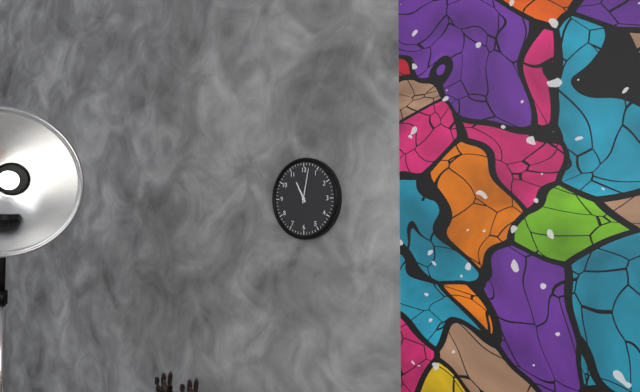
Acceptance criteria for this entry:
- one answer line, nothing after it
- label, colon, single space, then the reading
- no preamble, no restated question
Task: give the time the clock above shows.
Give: 11:02
